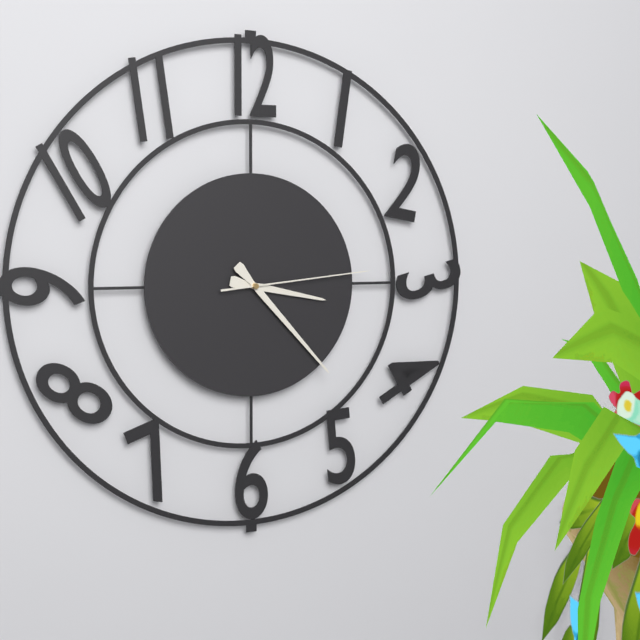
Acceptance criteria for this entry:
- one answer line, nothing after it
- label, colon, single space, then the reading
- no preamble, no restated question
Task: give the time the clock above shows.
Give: 3:23:14
